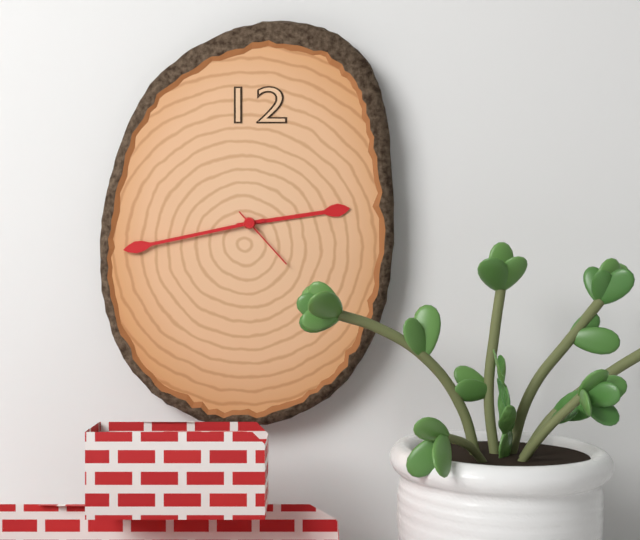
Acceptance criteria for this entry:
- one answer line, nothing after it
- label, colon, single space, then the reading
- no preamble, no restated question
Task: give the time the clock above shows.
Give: 2:43:23
